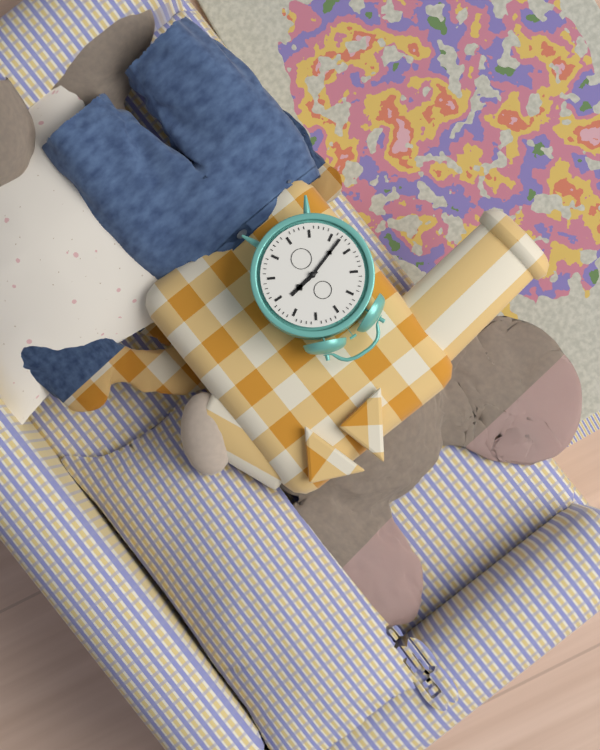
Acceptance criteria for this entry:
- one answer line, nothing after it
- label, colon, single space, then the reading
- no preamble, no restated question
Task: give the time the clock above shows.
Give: 2:42
